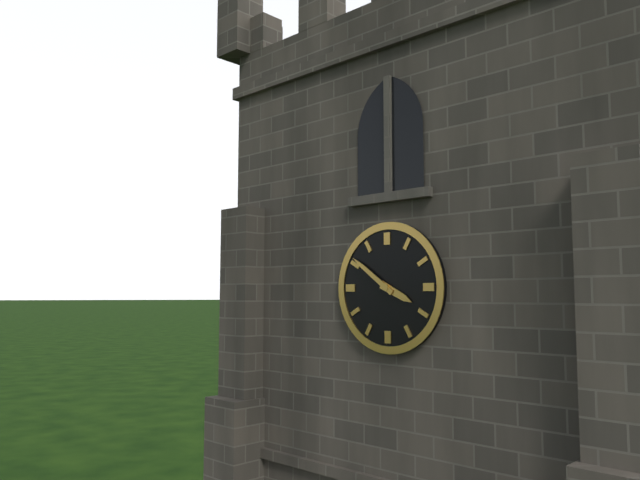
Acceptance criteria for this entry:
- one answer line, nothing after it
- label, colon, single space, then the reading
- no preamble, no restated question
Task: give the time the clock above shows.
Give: 3:51
